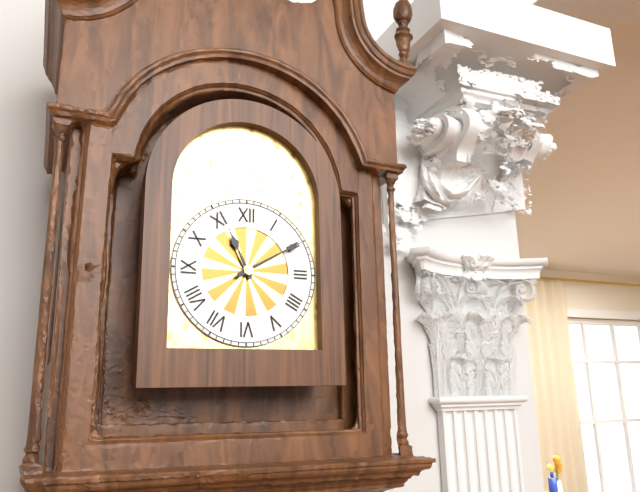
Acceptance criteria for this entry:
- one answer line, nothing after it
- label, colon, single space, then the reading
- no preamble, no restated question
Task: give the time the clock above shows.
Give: 11:10
